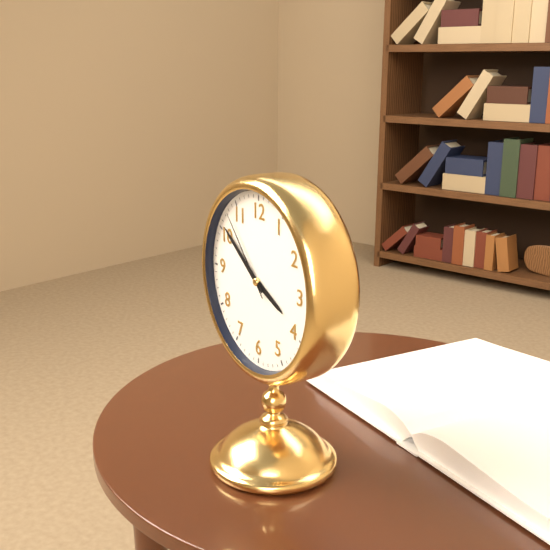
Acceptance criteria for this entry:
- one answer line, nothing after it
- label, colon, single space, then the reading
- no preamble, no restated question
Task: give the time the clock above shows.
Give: 3:51:53
